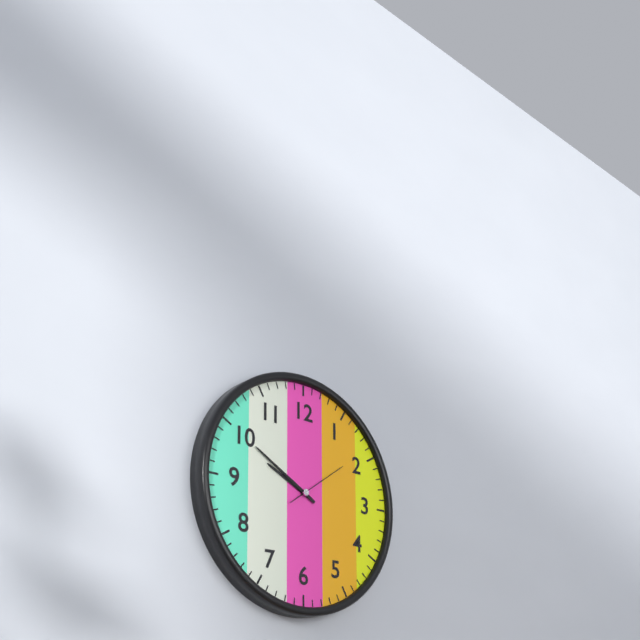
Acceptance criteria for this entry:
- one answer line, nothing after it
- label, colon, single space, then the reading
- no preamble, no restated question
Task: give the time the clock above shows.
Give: 9:50:09
